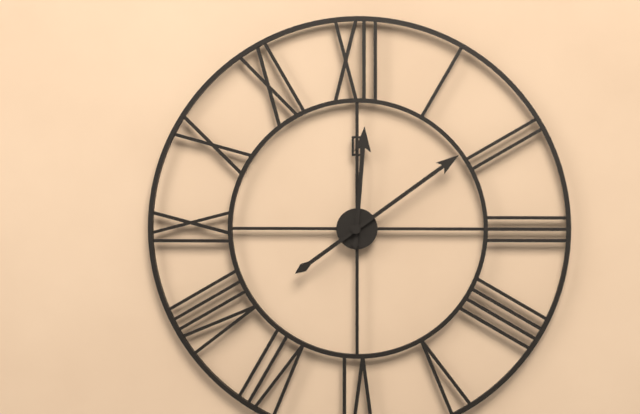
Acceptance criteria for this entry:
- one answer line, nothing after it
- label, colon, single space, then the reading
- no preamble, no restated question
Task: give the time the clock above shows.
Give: 12:09
